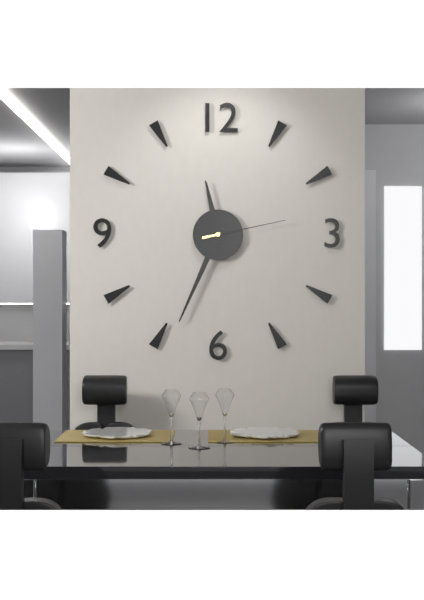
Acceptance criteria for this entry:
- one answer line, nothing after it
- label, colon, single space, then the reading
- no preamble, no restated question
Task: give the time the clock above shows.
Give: 11:34:13
